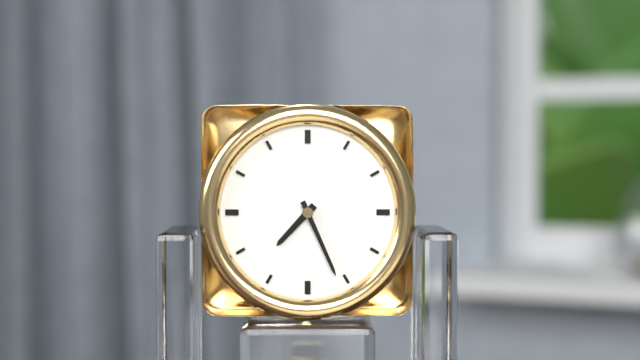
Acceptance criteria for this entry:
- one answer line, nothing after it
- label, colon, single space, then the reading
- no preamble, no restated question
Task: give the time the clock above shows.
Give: 7:26
